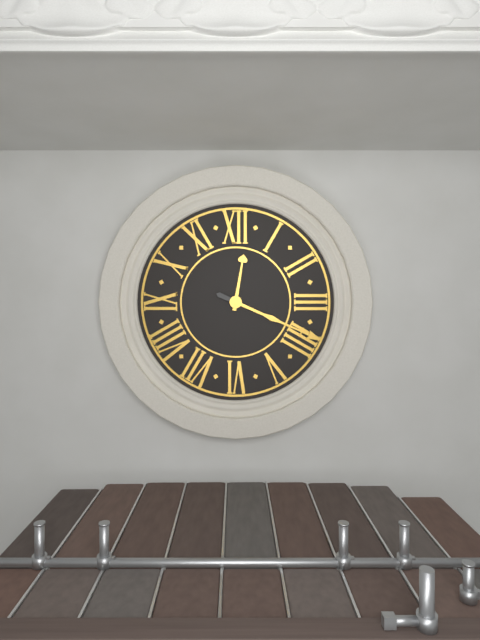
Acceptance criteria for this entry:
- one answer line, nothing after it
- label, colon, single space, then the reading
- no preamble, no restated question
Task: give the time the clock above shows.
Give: 12:19
